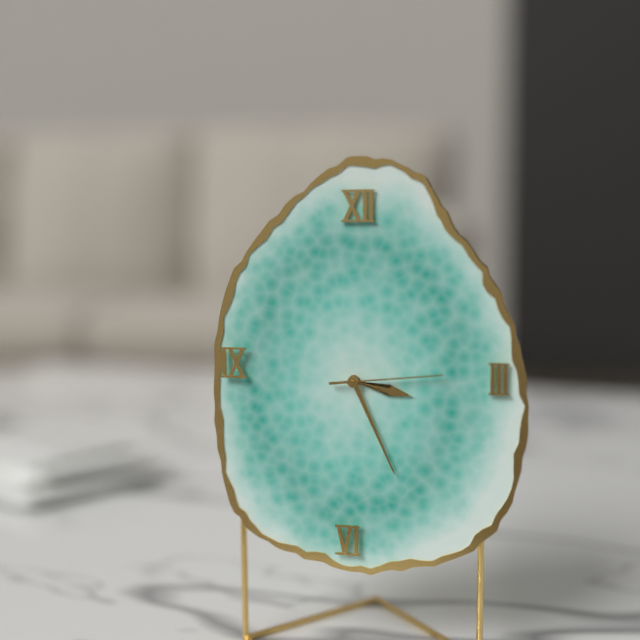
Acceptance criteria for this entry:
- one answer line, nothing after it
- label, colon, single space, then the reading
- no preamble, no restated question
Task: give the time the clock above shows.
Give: 3:26:14
